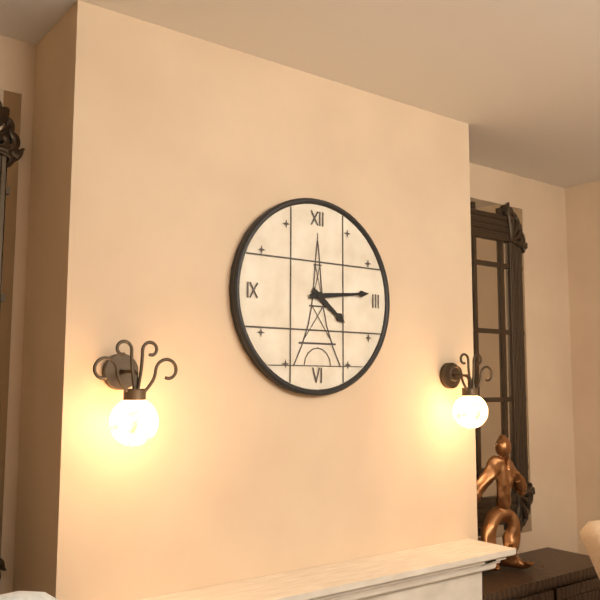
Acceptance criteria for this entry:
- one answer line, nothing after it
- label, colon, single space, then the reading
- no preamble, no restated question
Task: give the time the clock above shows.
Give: 4:14
